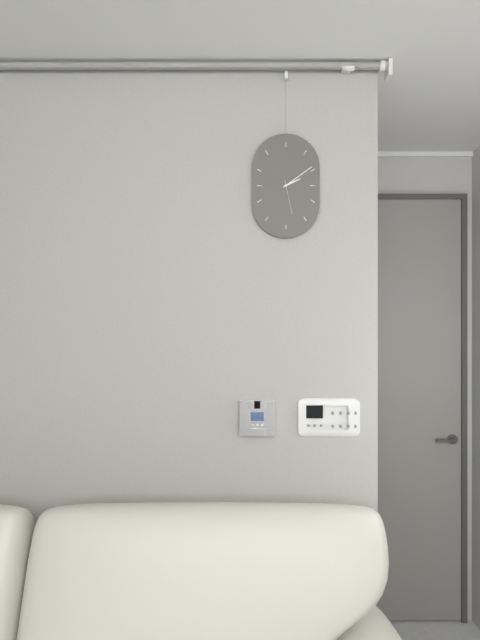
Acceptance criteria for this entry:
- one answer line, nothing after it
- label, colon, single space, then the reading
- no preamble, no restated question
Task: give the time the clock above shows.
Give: 2:09
